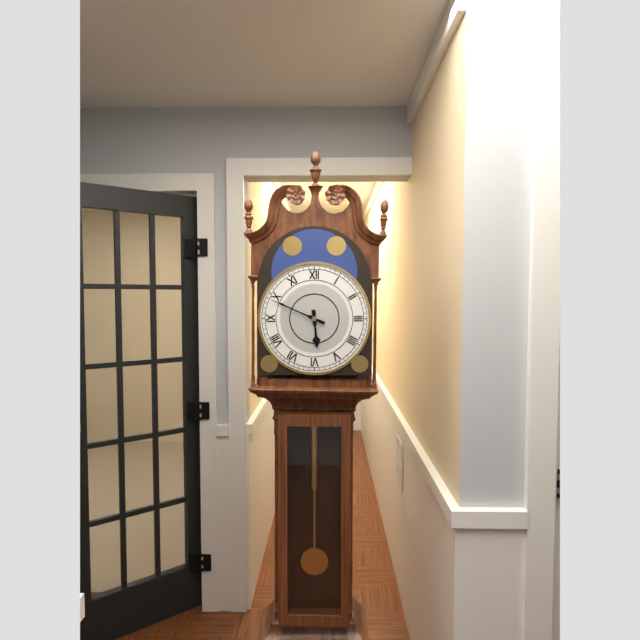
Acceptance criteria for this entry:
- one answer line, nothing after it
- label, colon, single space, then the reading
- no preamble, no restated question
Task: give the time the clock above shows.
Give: 5:49
